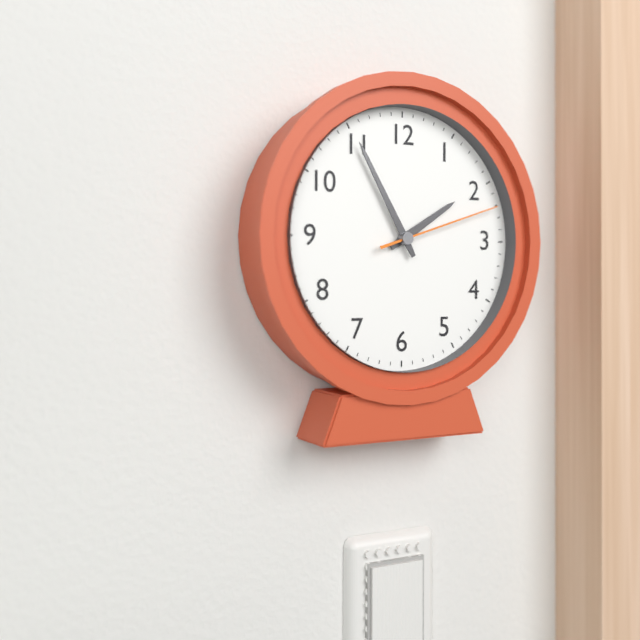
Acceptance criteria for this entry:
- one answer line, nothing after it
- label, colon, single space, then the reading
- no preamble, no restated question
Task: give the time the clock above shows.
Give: 1:55:12
